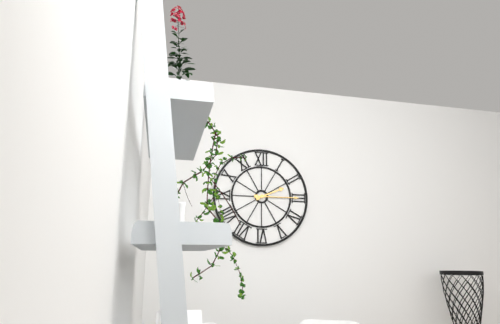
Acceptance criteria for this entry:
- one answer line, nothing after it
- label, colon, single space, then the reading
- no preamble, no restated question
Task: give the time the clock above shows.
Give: 2:15
